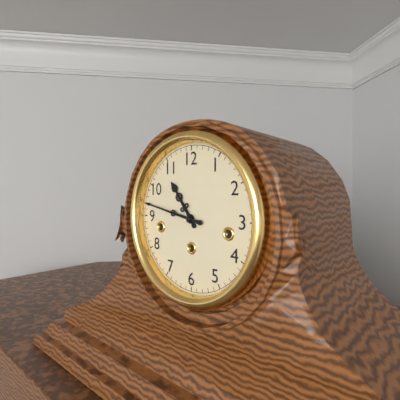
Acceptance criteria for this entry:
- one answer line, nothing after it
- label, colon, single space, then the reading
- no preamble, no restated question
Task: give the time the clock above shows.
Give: 10:47
